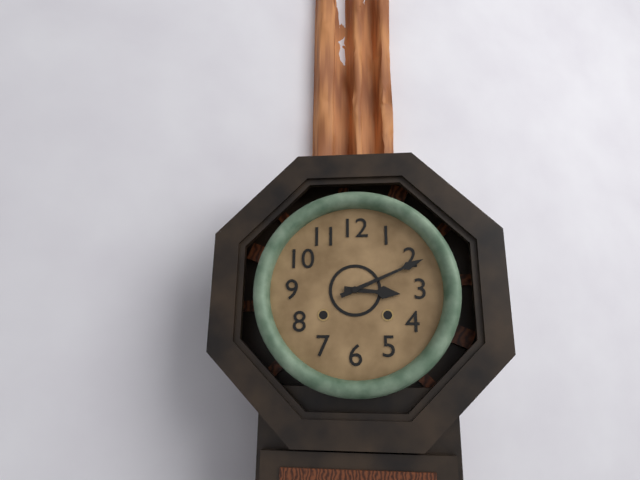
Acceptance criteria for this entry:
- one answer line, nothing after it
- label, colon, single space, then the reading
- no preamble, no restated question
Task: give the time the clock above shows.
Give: 3:11
